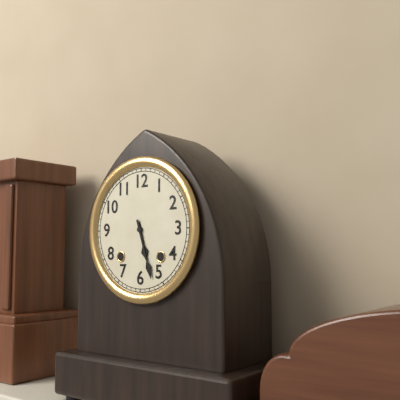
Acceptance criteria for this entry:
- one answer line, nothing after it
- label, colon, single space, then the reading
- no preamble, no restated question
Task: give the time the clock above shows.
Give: 5:27
